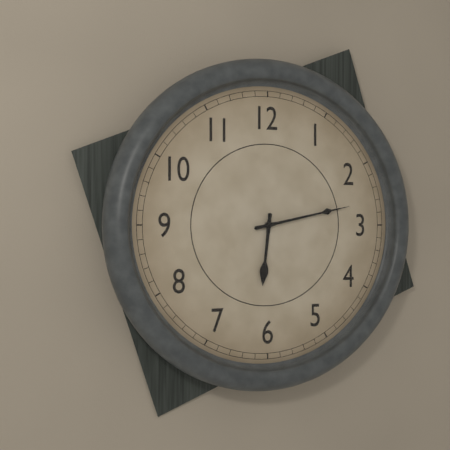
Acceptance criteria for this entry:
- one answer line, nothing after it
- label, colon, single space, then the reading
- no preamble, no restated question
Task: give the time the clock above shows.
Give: 6:13
